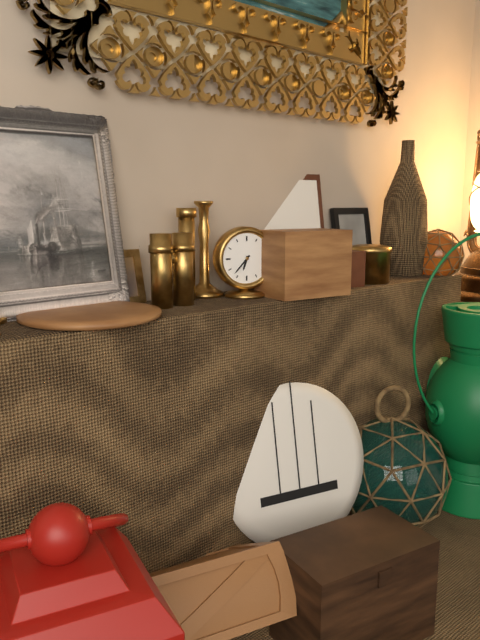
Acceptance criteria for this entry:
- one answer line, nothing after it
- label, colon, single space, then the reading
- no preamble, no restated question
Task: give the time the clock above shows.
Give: 6:37
